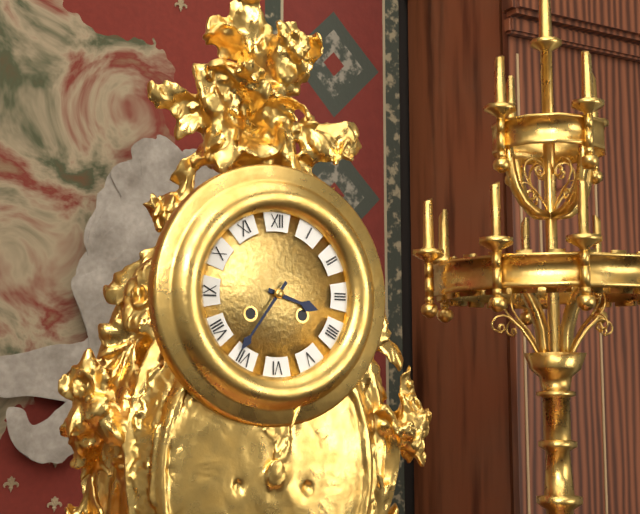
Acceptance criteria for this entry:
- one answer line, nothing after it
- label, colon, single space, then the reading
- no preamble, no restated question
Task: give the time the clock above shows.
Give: 3:36
